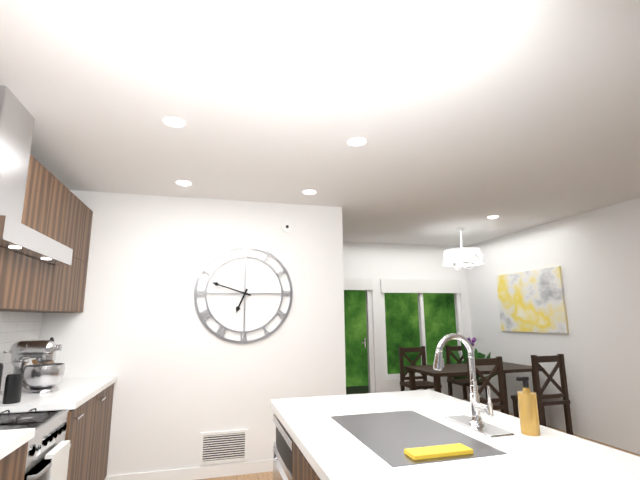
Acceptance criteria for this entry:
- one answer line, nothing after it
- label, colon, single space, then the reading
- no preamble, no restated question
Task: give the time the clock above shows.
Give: 6:48
